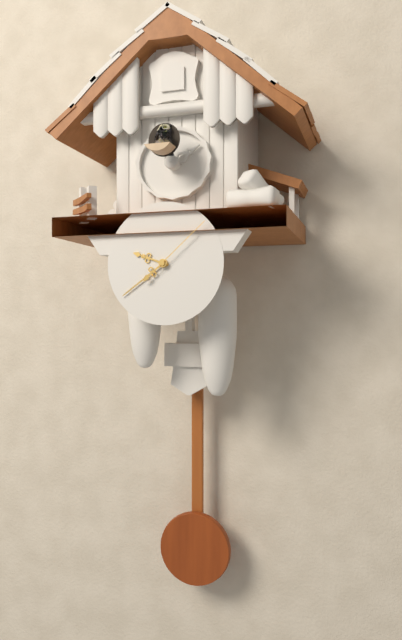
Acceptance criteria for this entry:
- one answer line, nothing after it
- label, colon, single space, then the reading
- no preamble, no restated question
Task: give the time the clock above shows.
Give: 9:39:08
